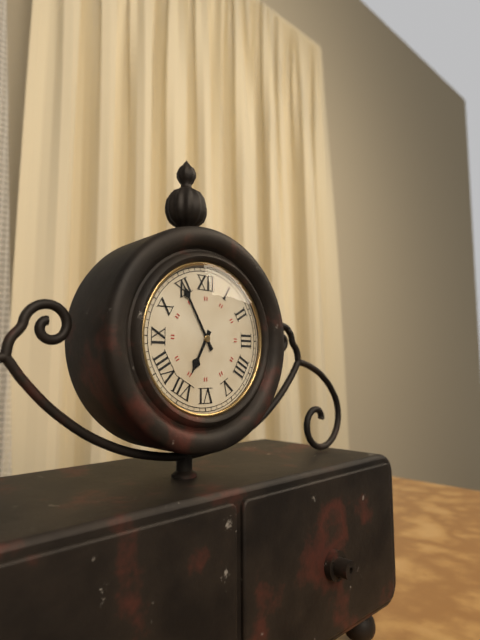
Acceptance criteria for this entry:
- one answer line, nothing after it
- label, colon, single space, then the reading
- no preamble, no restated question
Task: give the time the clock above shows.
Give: 6:55
